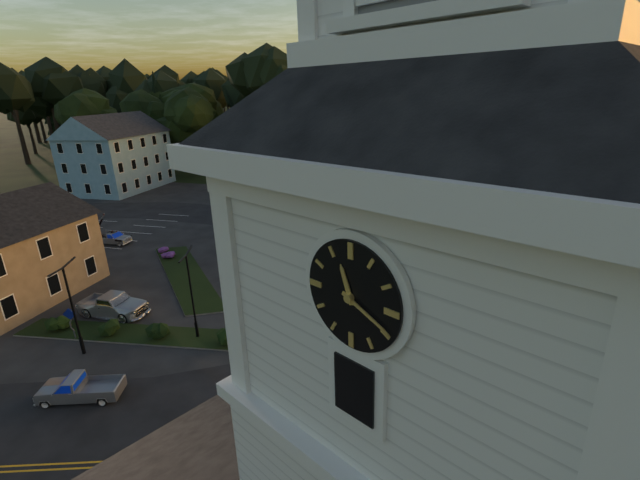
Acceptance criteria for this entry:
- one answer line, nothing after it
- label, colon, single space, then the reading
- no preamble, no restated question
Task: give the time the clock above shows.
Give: 11:19
